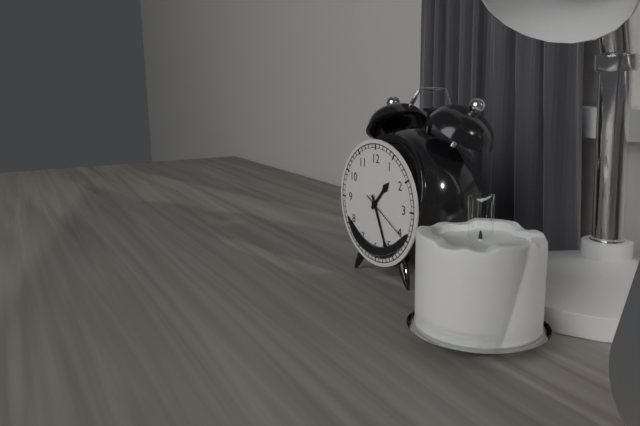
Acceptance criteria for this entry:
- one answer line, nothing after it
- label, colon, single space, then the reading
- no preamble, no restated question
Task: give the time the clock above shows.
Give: 1:26:20
